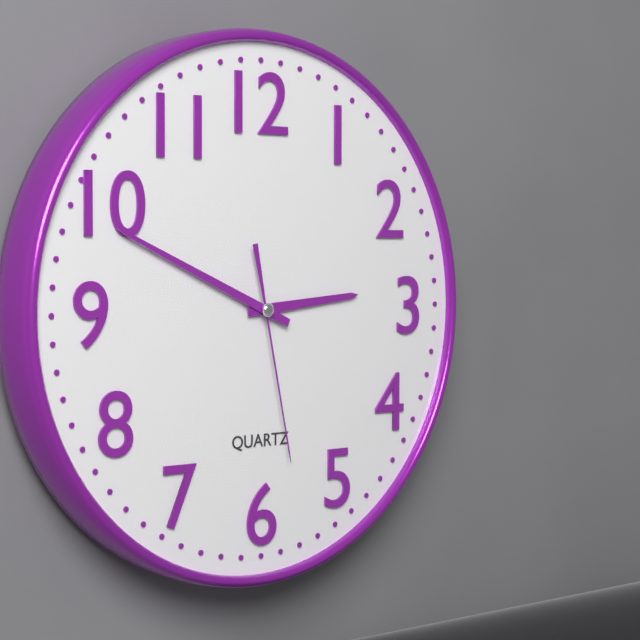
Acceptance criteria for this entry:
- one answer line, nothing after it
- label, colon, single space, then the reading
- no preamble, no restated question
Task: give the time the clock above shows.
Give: 2:49:28
